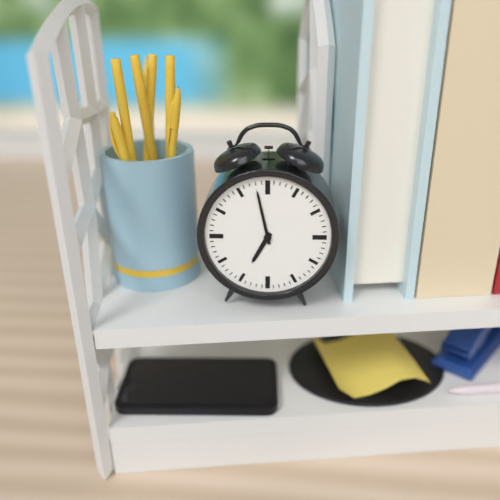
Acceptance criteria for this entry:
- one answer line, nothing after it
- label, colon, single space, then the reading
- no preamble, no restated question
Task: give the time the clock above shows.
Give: 6:58
